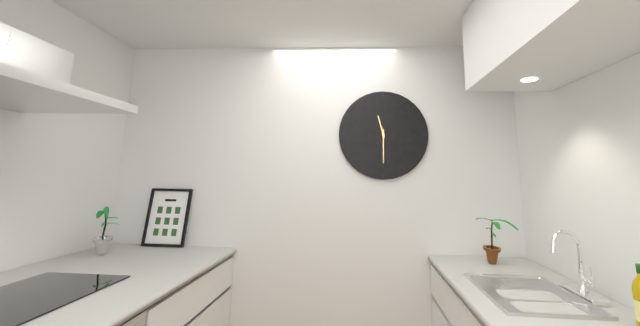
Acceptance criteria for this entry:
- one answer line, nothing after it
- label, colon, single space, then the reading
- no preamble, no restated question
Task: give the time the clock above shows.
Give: 11:30
